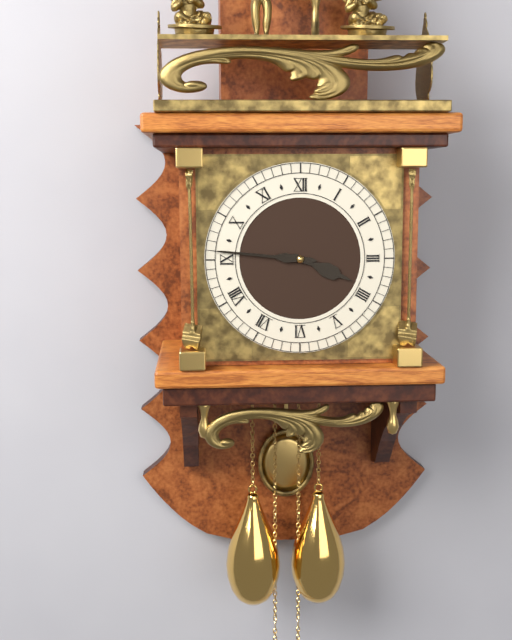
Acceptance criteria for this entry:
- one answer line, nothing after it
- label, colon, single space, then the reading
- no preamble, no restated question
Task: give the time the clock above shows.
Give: 3:46
